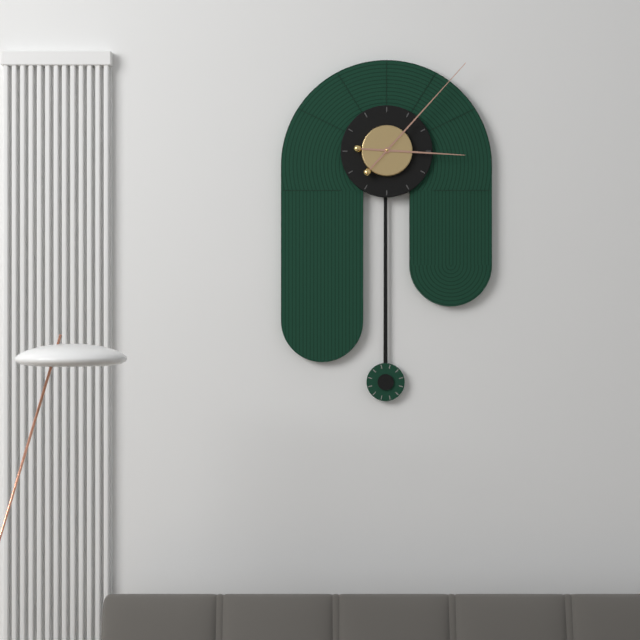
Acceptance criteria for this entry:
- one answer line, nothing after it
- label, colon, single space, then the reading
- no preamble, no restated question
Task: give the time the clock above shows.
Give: 3:07
